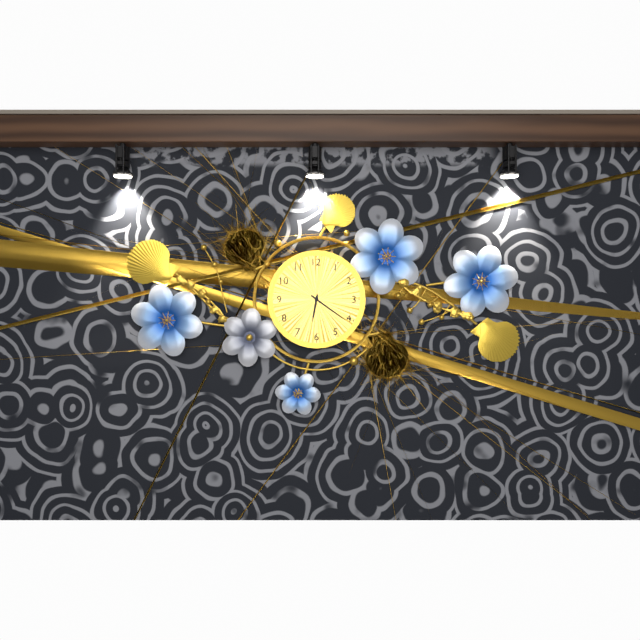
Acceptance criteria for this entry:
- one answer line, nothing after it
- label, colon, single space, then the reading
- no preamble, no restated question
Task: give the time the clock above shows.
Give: 6:21
